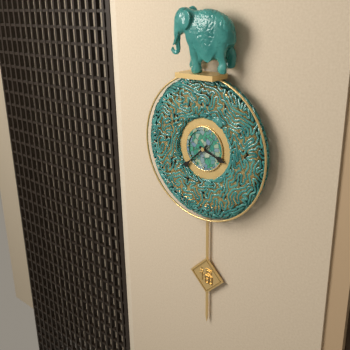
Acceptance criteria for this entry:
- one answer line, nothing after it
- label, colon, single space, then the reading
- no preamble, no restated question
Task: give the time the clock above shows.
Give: 3:38
